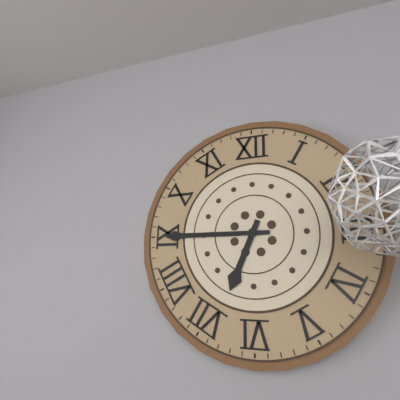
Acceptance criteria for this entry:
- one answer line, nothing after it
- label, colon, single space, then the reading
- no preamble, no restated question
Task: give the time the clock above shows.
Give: 6:45
